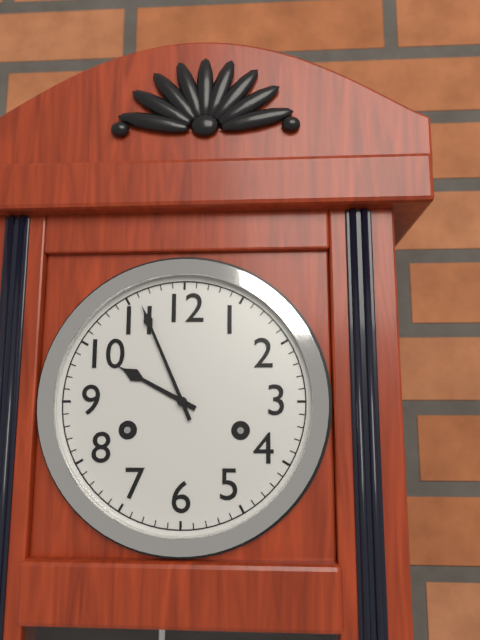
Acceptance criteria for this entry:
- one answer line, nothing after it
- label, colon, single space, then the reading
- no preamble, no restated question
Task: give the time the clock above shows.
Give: 9:56
